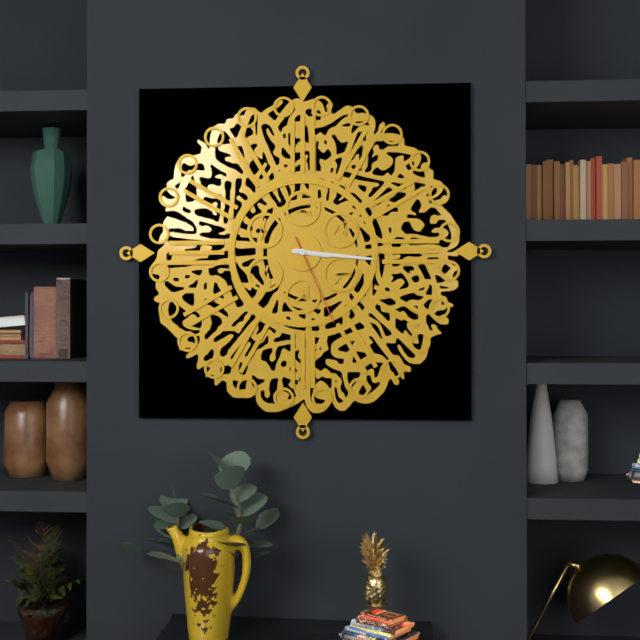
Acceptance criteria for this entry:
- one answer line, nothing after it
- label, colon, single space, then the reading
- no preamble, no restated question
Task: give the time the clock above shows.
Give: 3:16:26
